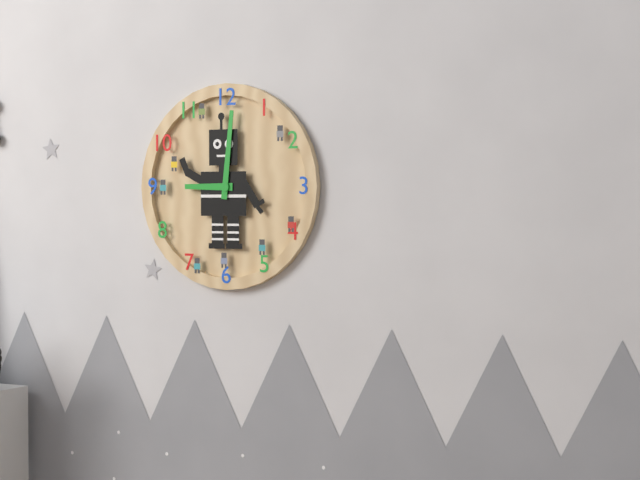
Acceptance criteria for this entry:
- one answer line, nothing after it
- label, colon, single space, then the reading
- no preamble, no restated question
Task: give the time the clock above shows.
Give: 9:01
